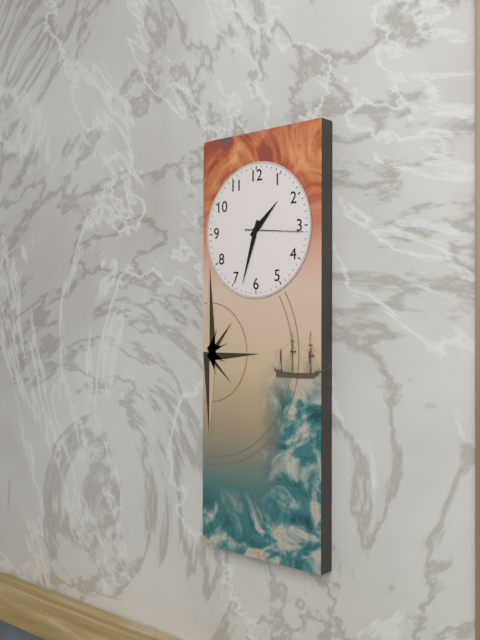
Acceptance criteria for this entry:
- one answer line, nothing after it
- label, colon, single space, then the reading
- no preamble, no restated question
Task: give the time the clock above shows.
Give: 1:33:16
